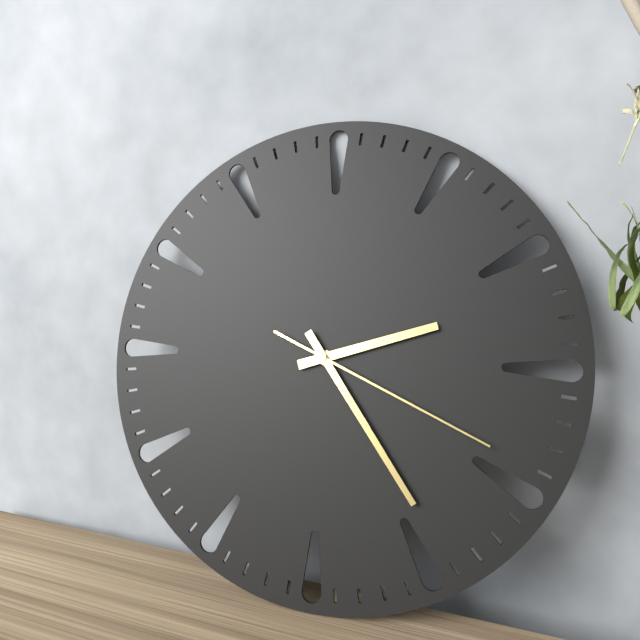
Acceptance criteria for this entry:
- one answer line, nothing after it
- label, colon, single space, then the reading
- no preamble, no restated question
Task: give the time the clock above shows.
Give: 2:24:19
